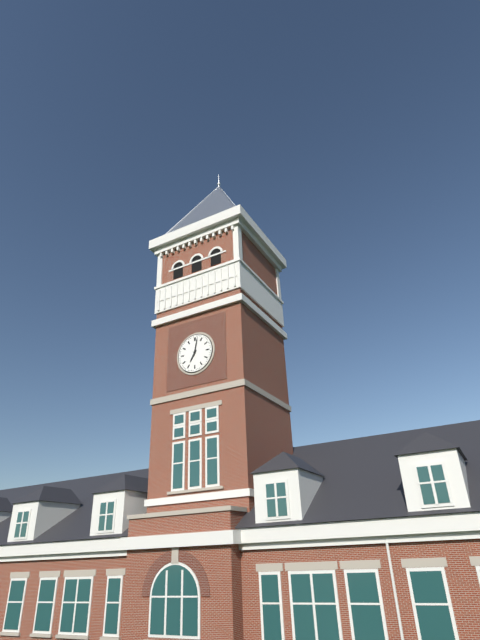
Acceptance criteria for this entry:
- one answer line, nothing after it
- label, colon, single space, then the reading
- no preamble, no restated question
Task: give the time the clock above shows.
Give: 7:02
